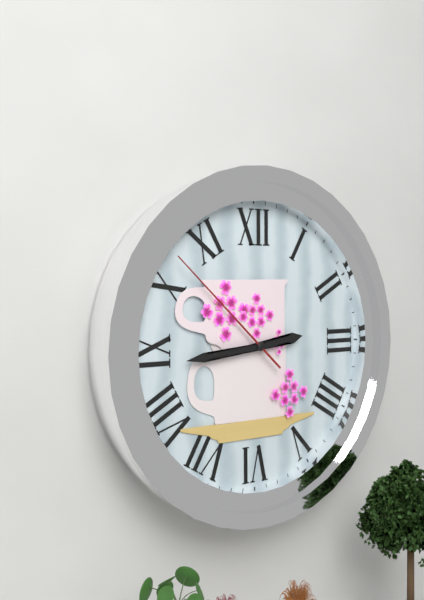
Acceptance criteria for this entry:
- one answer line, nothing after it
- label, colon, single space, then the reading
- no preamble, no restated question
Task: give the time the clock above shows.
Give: 2:44:52
